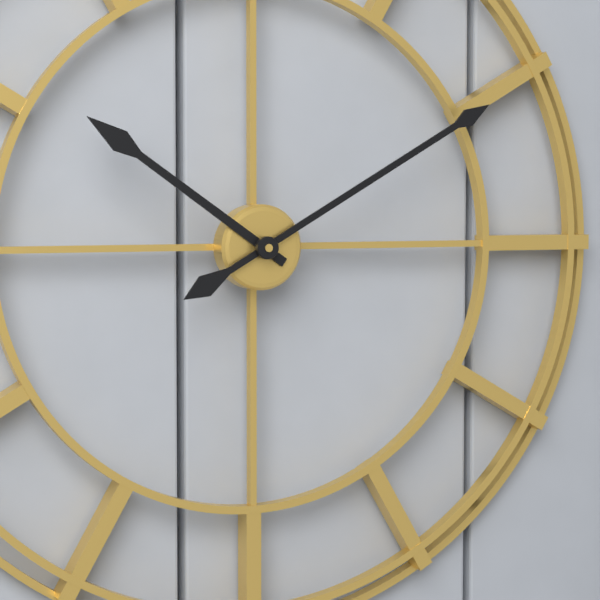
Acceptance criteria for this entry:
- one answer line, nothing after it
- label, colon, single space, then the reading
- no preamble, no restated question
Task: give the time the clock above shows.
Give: 10:10
